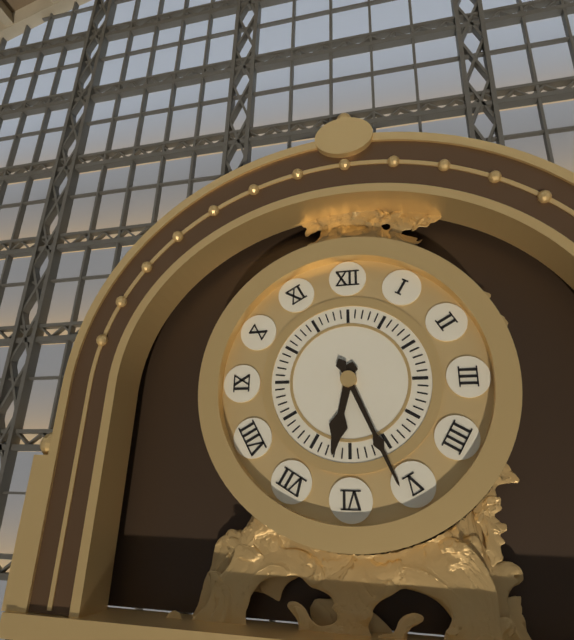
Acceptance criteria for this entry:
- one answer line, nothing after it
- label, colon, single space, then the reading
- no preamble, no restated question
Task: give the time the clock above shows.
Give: 6:26
